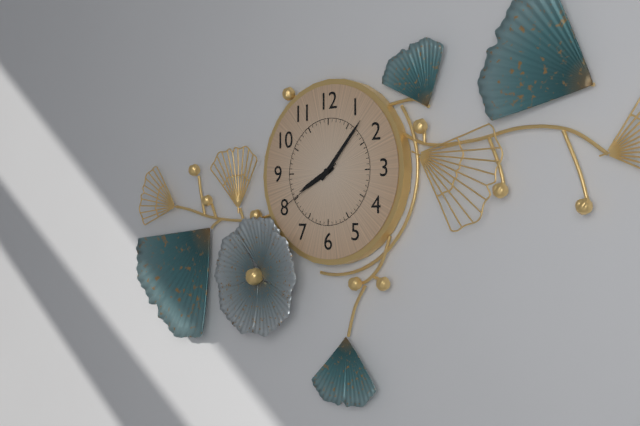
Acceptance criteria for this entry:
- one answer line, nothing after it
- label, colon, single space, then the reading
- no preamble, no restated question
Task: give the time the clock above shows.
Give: 8:07:40
